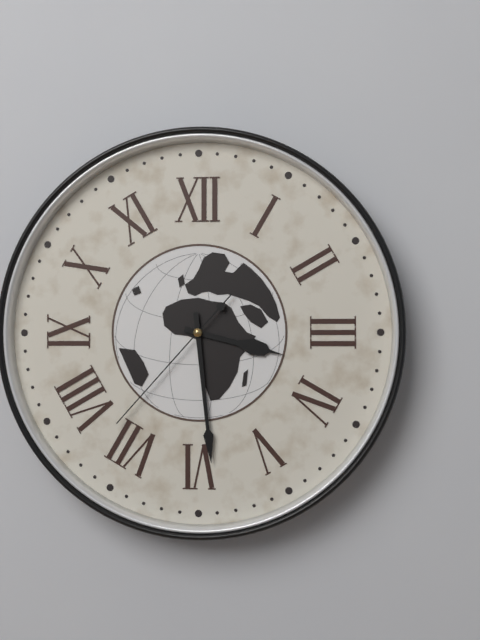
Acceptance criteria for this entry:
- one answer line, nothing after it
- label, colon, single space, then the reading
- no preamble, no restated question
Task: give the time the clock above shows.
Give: 3:29:37
